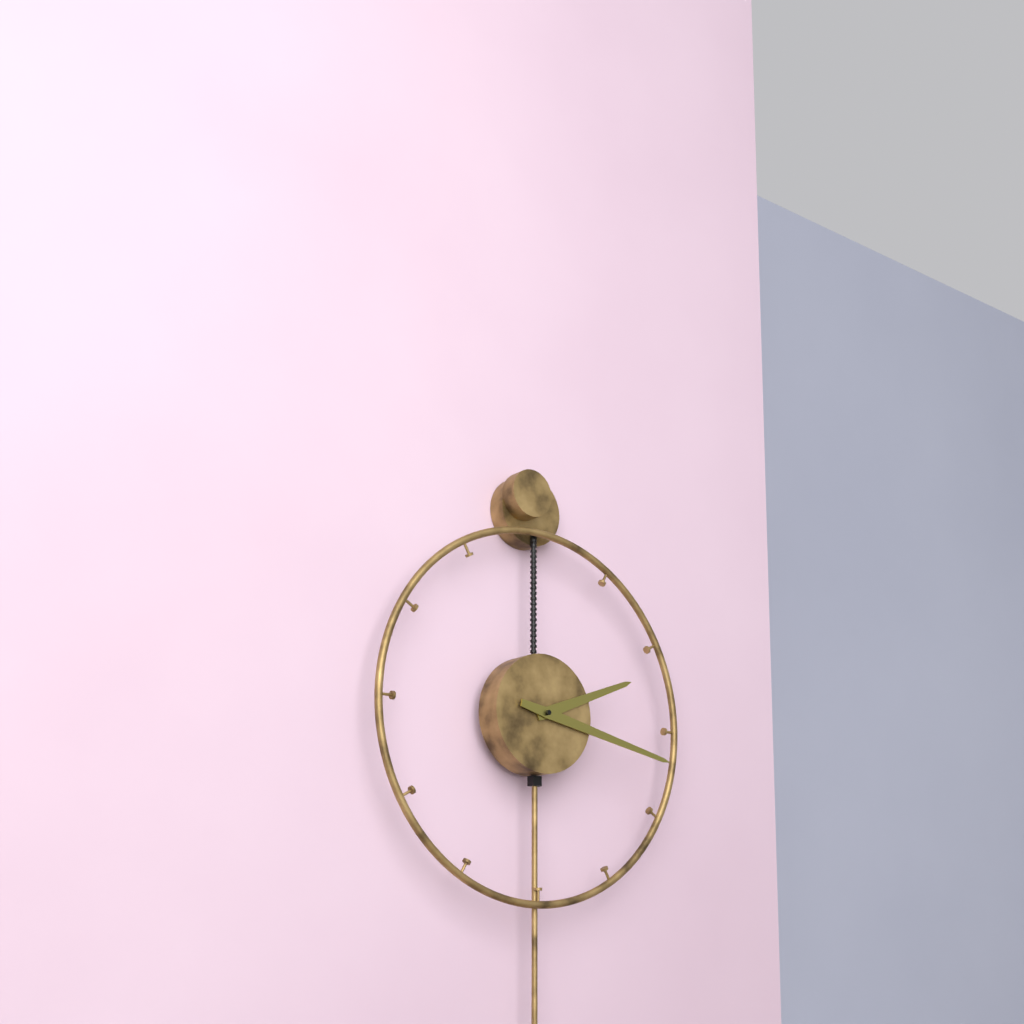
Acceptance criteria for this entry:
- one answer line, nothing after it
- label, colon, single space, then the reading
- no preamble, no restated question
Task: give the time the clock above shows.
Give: 2:17
